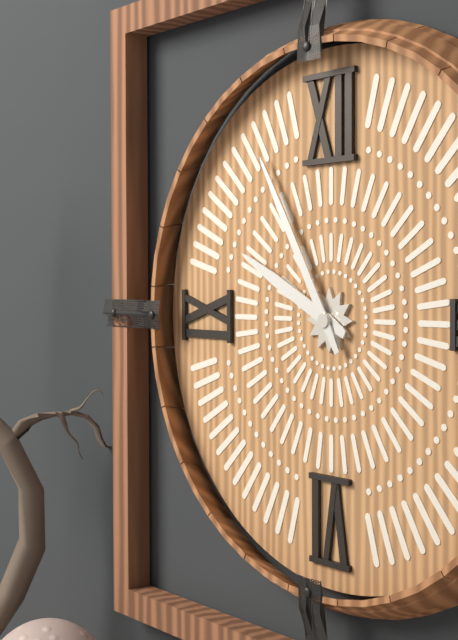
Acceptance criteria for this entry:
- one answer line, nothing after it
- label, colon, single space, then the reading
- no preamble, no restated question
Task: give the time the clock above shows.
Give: 9:55
